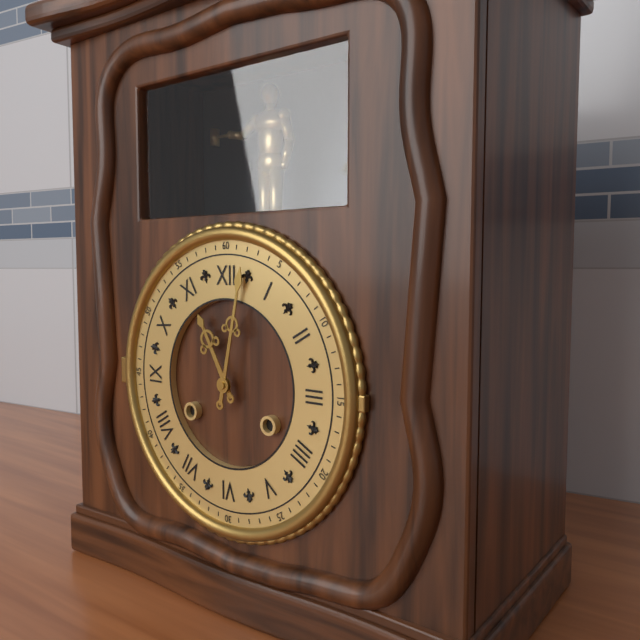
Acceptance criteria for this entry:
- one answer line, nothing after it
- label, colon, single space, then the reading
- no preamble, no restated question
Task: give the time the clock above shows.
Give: 11:02
